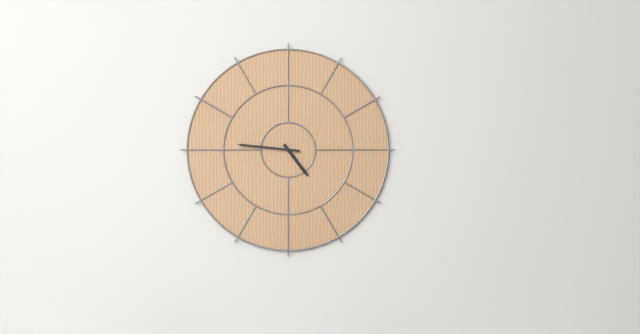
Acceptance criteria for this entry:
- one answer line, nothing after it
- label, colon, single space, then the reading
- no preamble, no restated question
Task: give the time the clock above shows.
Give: 4:46
